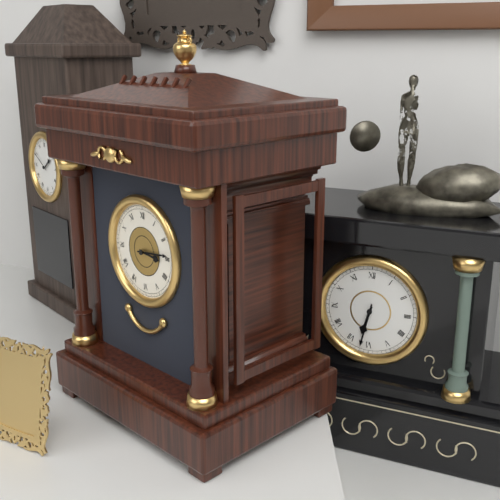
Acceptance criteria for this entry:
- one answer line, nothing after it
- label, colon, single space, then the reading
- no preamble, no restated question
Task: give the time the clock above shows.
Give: 3:14
